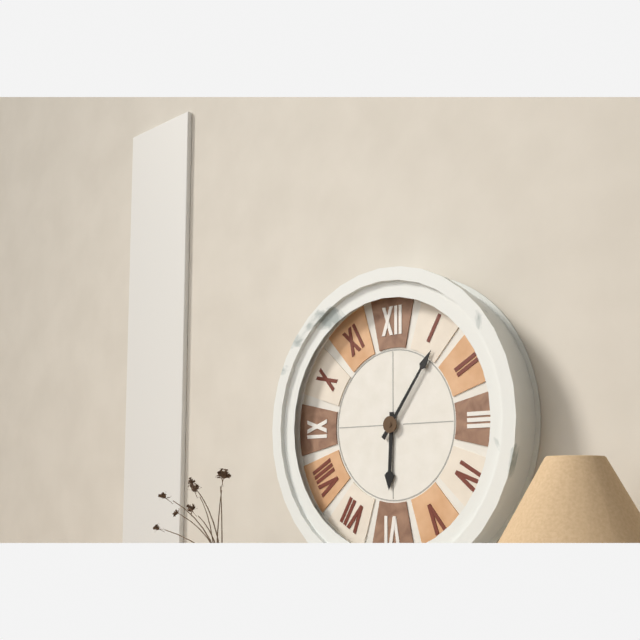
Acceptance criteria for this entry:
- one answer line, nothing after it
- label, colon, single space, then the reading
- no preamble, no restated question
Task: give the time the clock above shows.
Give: 6:06
